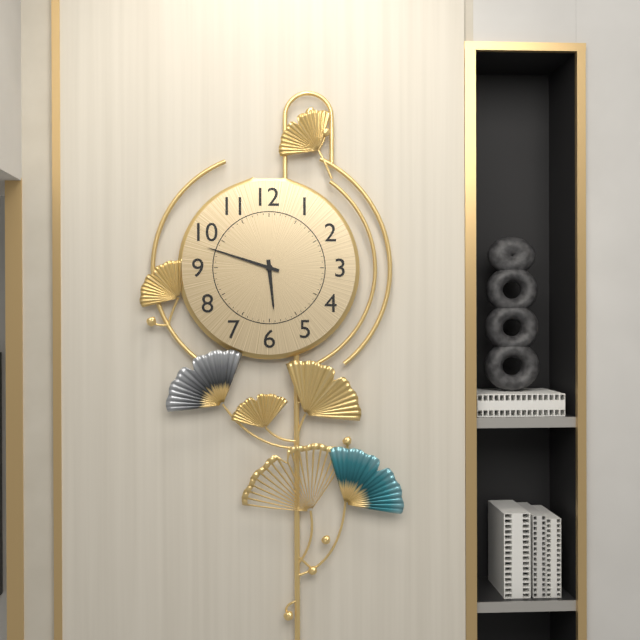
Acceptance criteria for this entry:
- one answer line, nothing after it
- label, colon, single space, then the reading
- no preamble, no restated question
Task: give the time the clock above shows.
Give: 5:48
